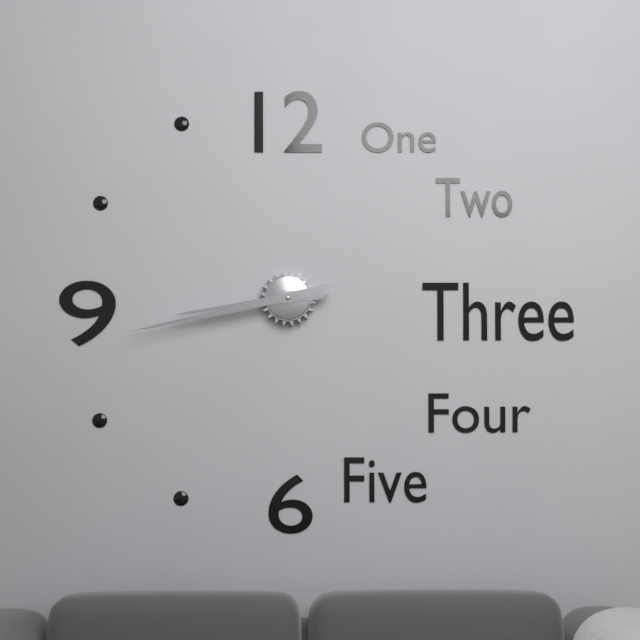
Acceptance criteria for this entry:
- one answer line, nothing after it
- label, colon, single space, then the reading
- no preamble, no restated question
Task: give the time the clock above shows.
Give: 8:43
